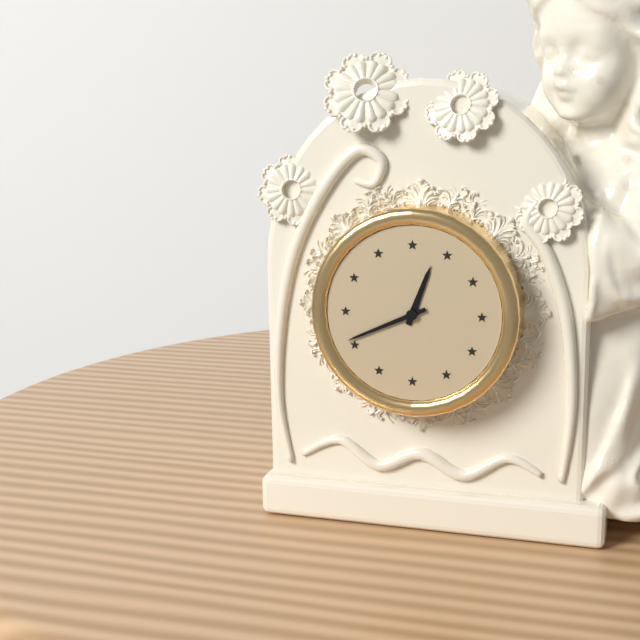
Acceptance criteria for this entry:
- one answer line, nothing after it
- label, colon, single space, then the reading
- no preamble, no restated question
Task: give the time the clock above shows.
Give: 12:41
